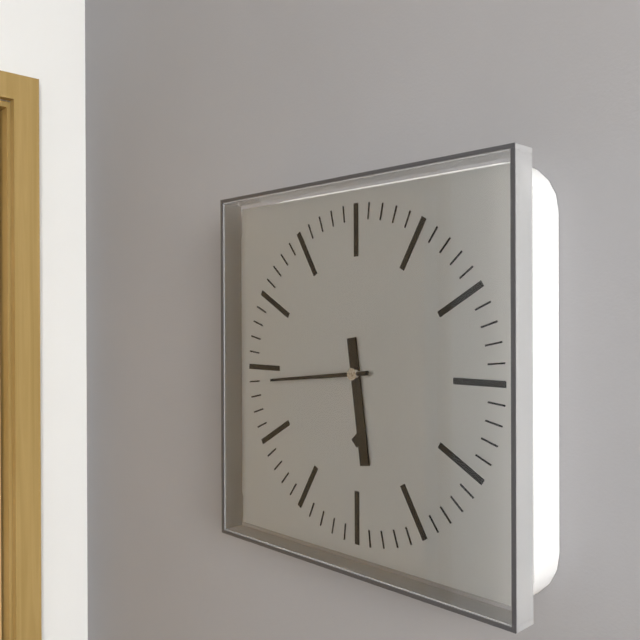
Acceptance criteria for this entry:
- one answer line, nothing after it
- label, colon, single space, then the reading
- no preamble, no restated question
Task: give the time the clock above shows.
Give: 5:44
